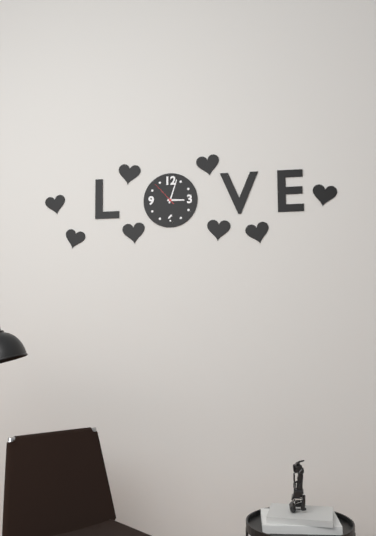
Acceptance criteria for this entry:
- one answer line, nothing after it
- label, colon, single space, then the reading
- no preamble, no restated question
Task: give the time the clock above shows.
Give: 3:03
